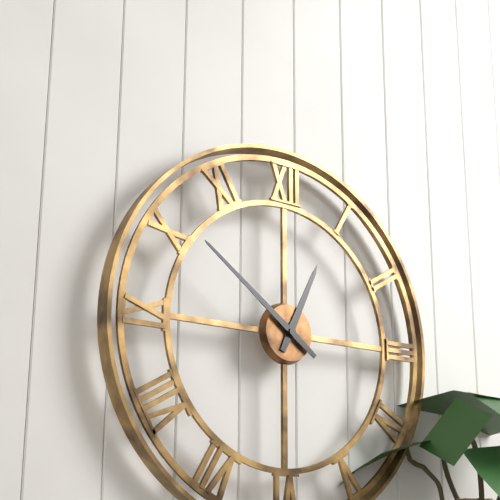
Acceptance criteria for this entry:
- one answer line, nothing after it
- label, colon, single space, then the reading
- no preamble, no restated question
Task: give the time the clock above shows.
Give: 12:51
